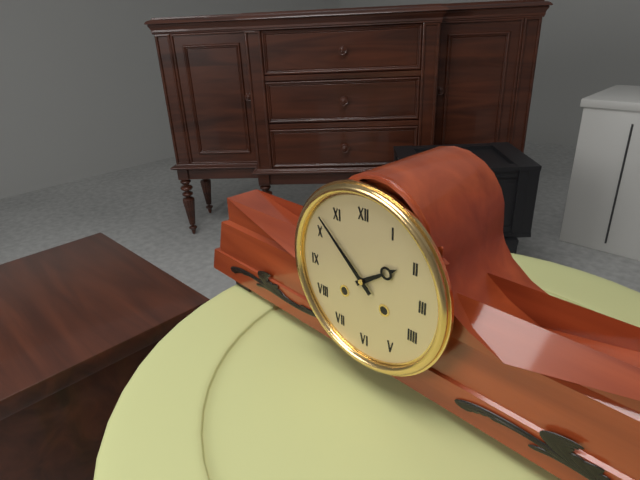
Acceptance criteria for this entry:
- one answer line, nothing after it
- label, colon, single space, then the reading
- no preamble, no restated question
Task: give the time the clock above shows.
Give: 1:52
